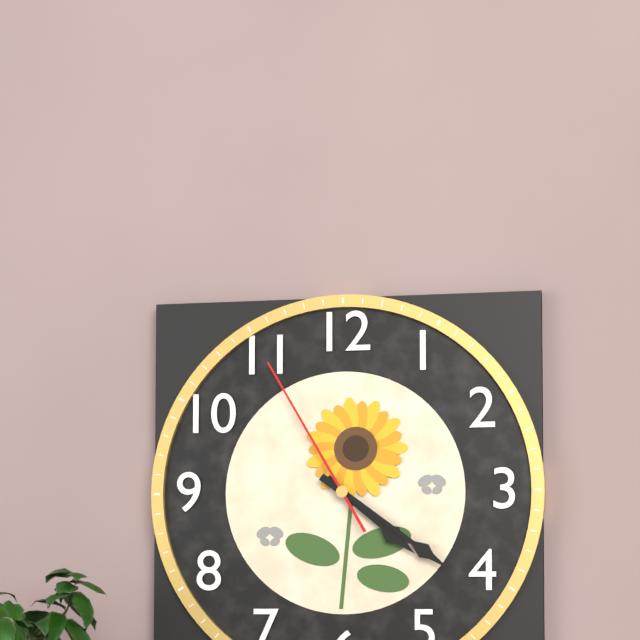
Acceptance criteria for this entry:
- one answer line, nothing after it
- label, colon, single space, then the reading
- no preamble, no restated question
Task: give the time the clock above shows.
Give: 4:21:55
